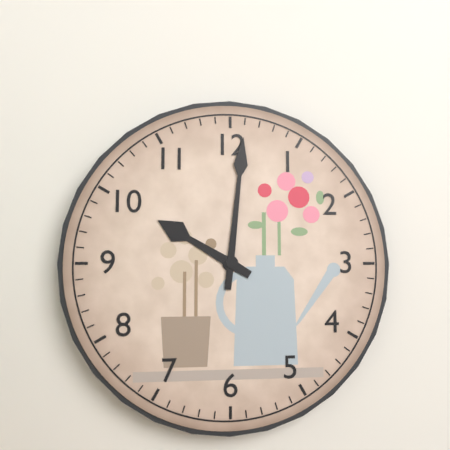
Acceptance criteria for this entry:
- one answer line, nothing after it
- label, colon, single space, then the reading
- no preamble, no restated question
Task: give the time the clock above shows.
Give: 10:01
